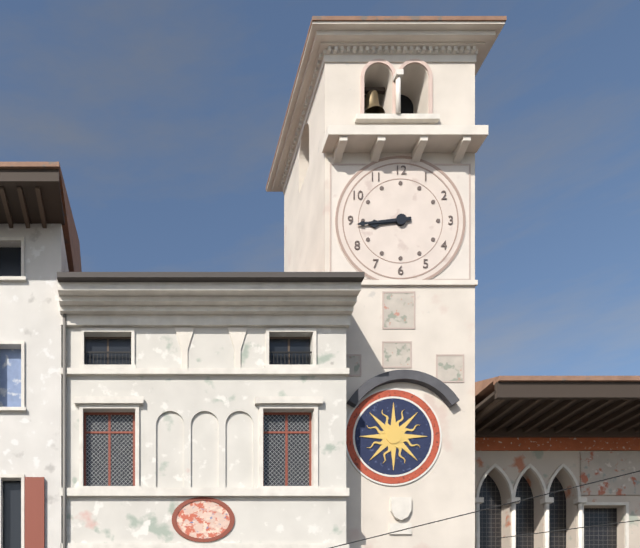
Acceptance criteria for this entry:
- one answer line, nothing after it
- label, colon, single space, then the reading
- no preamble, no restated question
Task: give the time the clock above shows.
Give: 8:44
